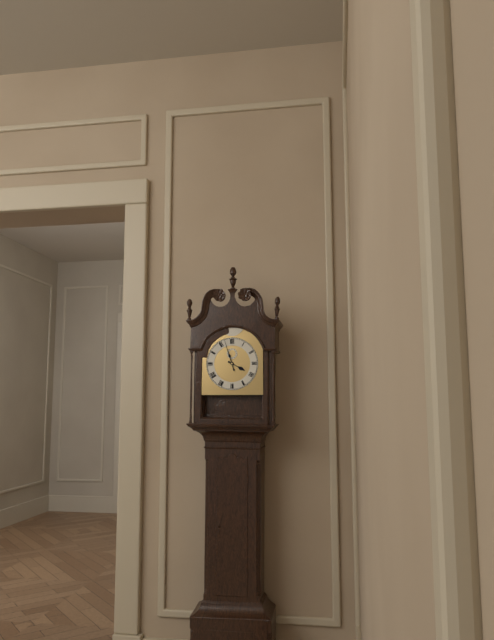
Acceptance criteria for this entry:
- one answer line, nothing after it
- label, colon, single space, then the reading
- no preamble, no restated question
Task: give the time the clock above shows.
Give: 3:57
